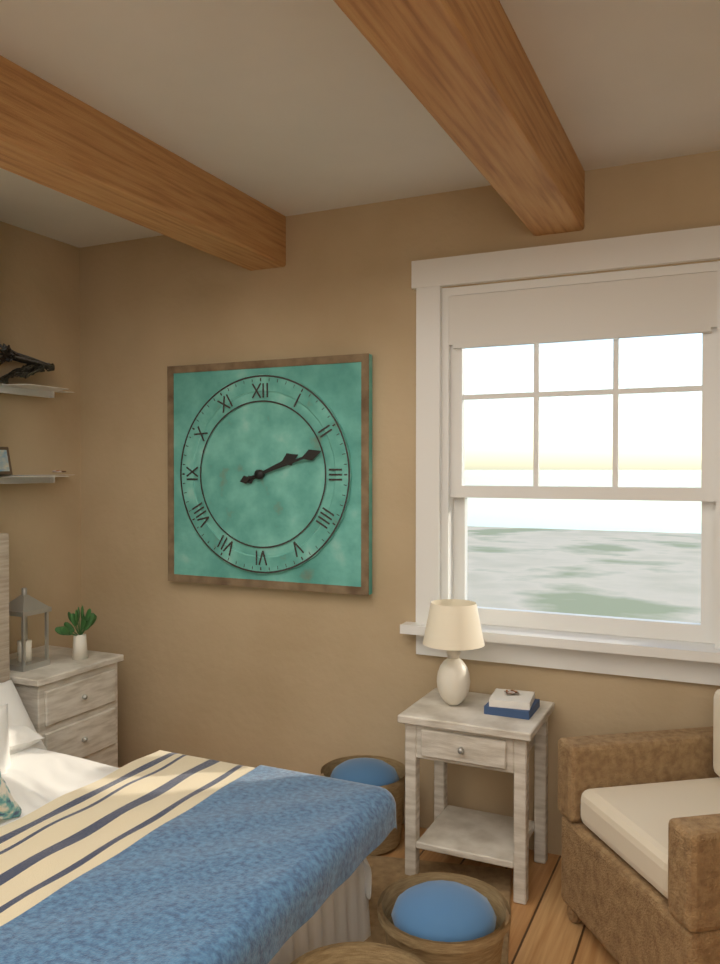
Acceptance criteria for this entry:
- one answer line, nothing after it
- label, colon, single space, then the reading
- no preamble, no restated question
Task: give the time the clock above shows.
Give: 2:12
